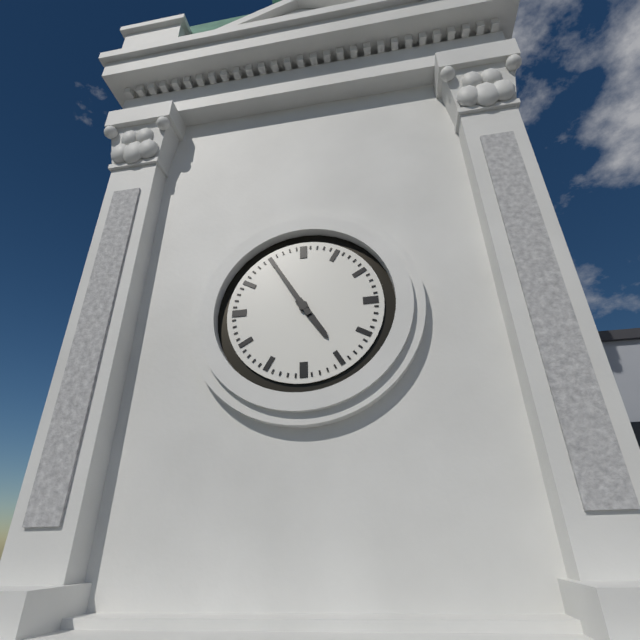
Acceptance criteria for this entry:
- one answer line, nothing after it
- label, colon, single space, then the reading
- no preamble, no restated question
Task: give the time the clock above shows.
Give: 4:55
